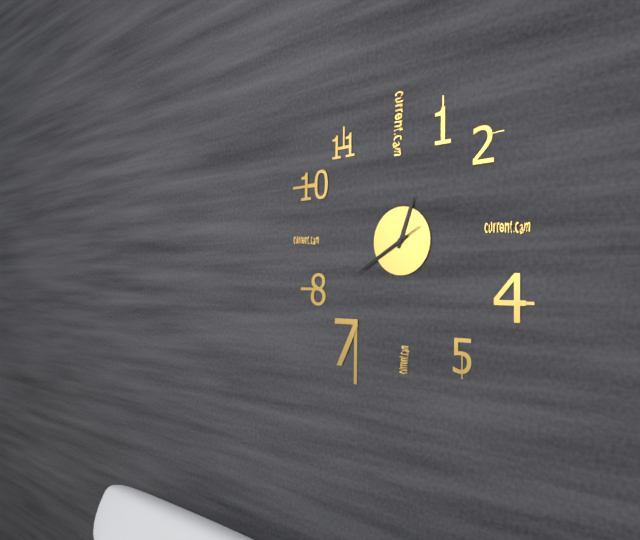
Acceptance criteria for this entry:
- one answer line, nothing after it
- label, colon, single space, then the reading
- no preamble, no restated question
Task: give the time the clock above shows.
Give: 12:40:40
